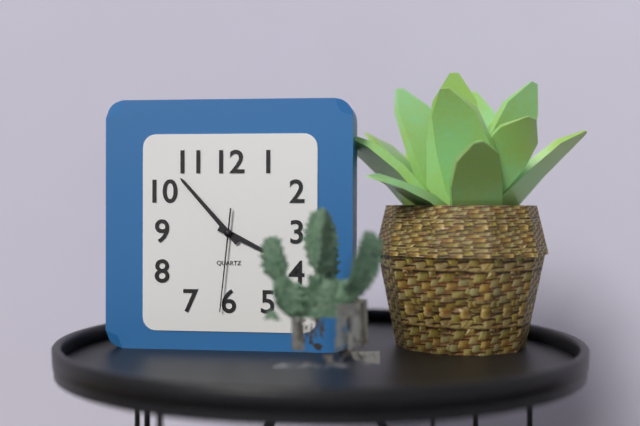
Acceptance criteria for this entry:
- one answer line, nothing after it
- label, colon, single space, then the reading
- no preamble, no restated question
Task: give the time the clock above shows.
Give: 3:53:31
